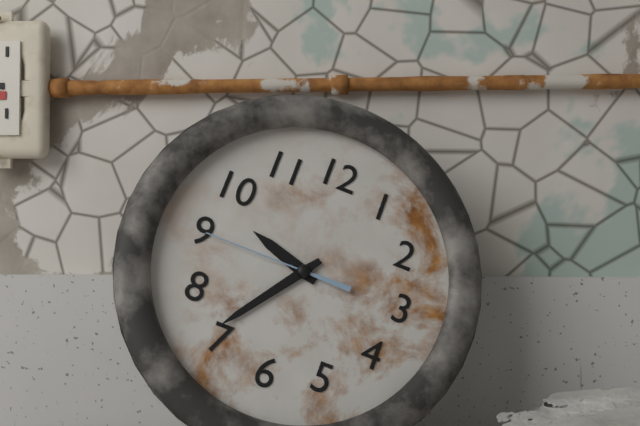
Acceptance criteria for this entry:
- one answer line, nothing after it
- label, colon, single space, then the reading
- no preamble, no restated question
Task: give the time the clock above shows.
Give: 9:36:45
